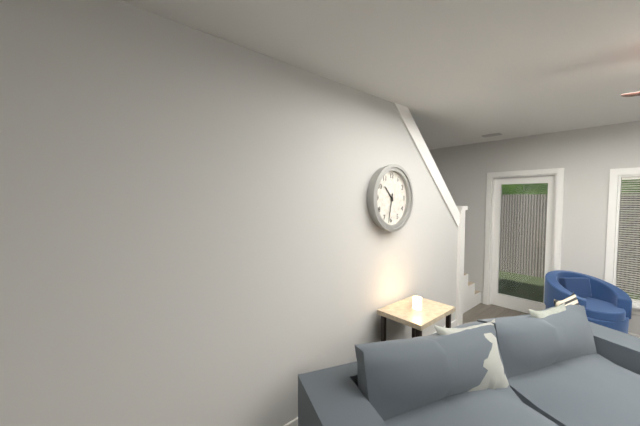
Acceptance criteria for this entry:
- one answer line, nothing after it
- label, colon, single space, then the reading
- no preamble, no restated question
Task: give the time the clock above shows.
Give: 10:32
